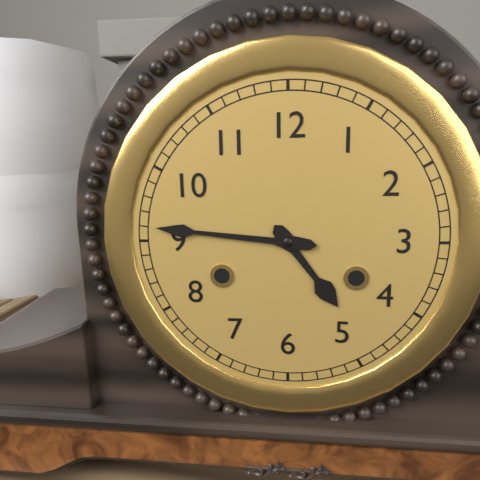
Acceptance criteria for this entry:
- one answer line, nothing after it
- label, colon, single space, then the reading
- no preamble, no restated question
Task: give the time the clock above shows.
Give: 4:46
